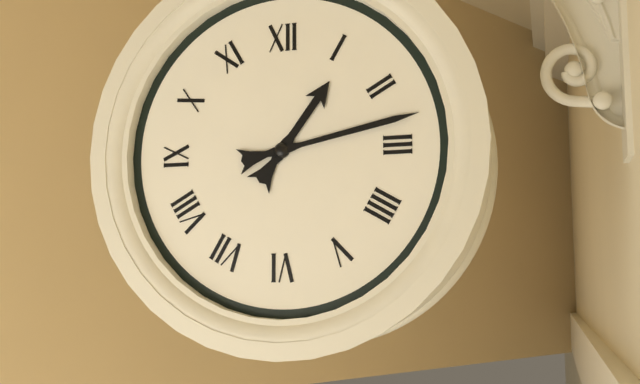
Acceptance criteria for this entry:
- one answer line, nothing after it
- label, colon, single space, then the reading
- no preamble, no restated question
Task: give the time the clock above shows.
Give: 1:13
